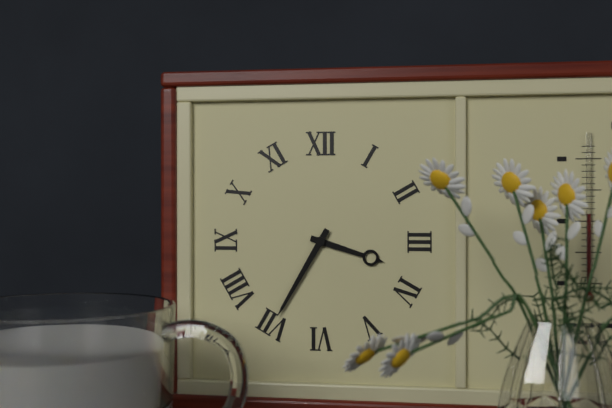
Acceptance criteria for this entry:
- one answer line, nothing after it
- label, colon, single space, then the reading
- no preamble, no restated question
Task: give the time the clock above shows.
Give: 3:35
